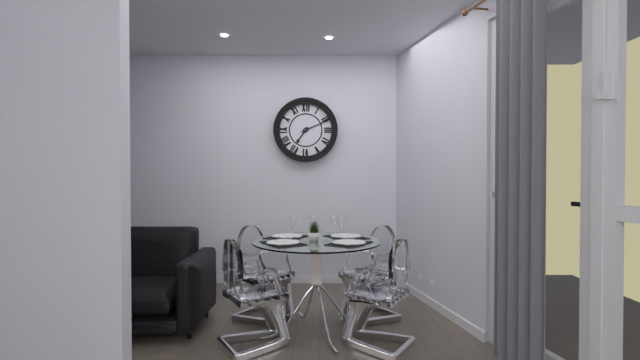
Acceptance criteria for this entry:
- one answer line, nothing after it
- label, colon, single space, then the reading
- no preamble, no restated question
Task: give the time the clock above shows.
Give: 7:11
